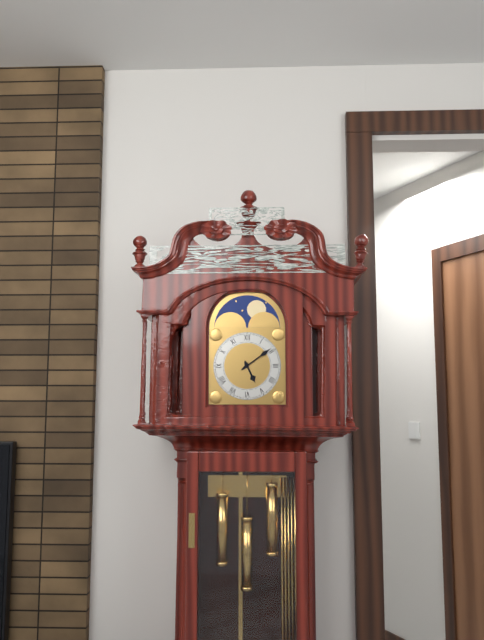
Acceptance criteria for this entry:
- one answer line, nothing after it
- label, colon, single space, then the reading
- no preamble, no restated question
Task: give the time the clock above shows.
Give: 5:09
